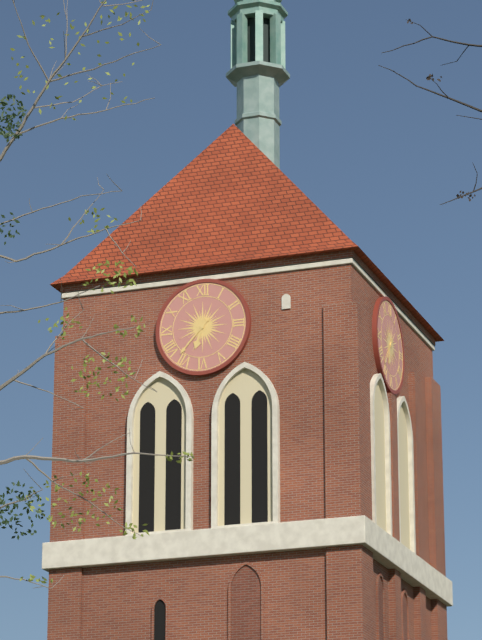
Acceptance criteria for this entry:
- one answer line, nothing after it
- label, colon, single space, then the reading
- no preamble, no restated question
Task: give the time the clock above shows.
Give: 6:37
